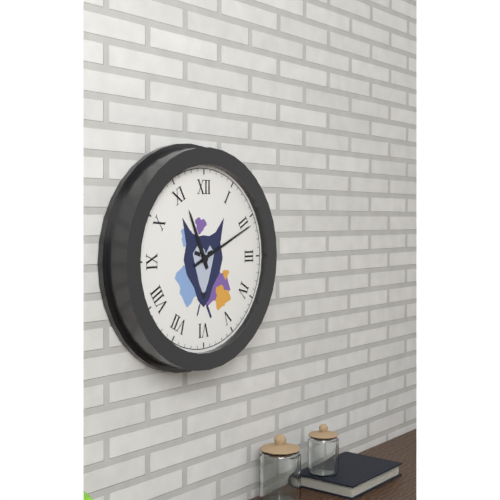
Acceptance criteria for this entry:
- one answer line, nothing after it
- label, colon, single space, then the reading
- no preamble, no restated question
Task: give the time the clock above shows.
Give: 11:11
